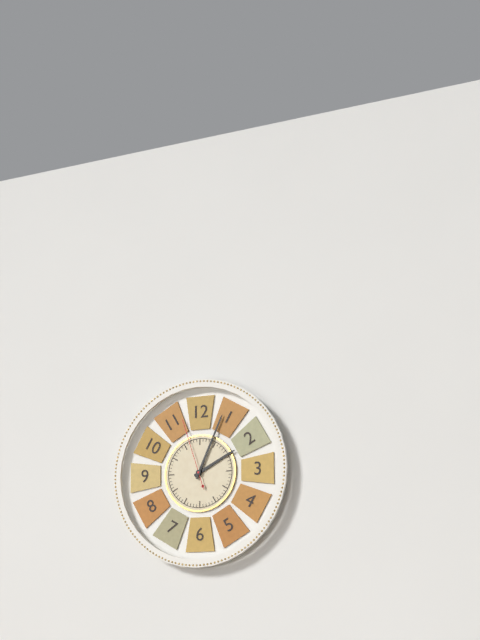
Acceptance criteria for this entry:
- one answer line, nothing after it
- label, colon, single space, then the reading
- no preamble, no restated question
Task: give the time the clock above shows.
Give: 2:04:57
